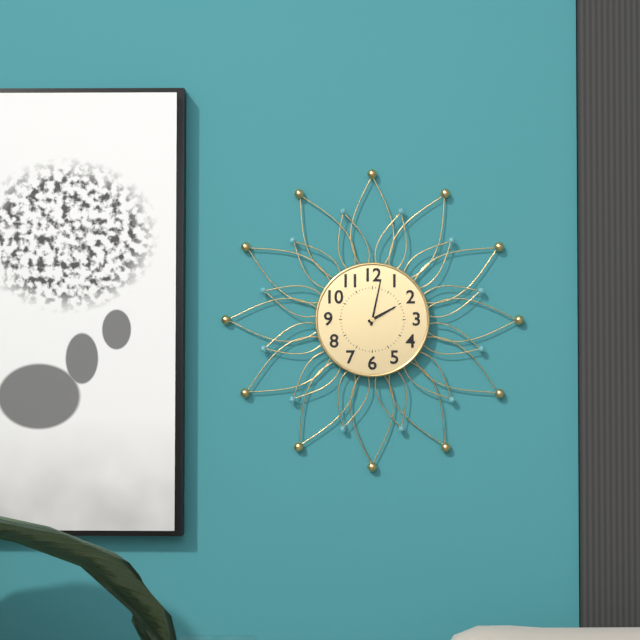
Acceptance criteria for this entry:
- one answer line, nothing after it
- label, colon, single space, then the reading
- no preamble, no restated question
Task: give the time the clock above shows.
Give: 2:02
